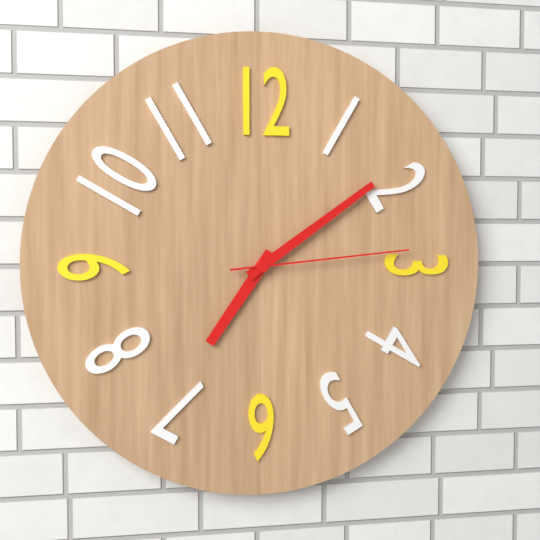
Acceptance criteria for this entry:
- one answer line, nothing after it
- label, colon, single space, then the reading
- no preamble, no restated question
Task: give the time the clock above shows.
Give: 7:09:14
